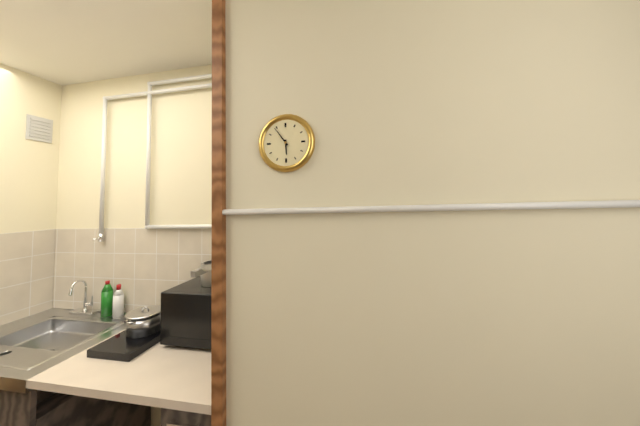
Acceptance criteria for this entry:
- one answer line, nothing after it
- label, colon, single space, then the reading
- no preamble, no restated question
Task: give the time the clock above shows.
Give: 5:54
